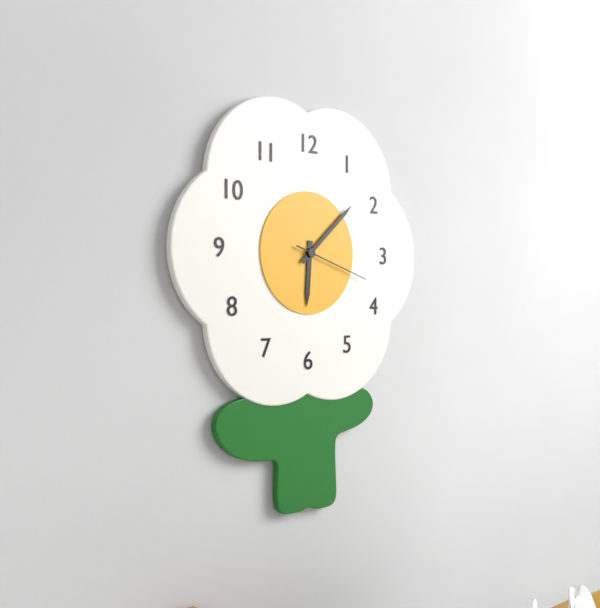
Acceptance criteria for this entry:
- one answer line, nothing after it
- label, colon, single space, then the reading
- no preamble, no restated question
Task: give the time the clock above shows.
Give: 6:08:18
